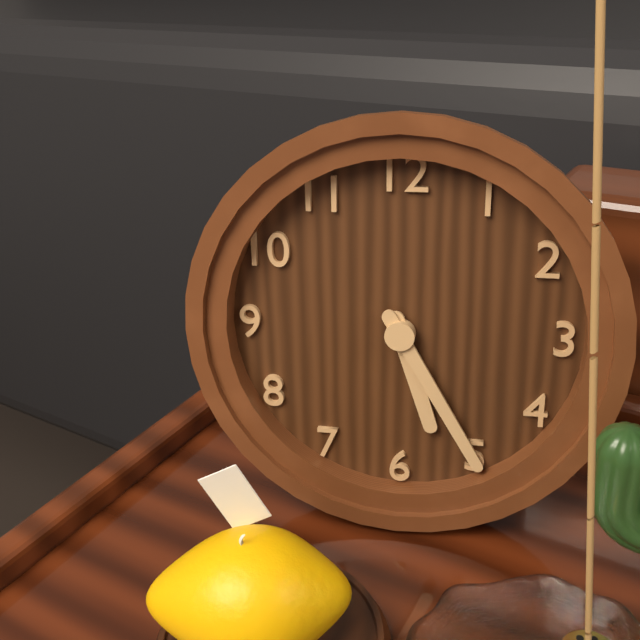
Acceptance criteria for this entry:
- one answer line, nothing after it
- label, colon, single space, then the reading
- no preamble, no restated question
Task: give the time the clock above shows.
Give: 5:25
